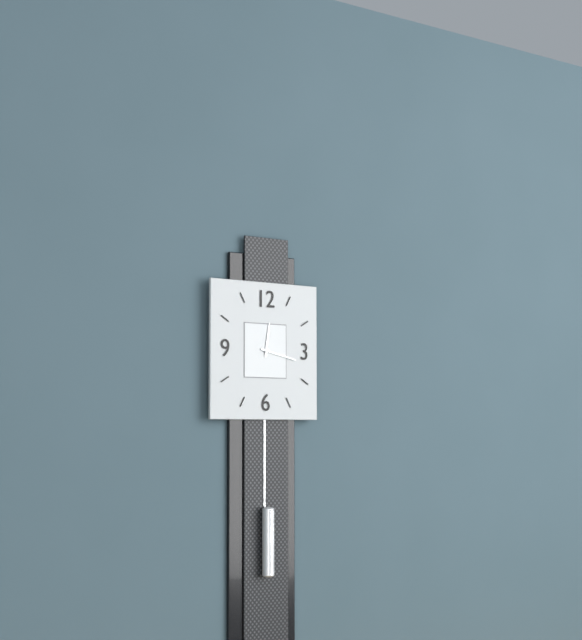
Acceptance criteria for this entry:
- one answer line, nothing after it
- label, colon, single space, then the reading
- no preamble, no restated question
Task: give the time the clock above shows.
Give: 12:17
